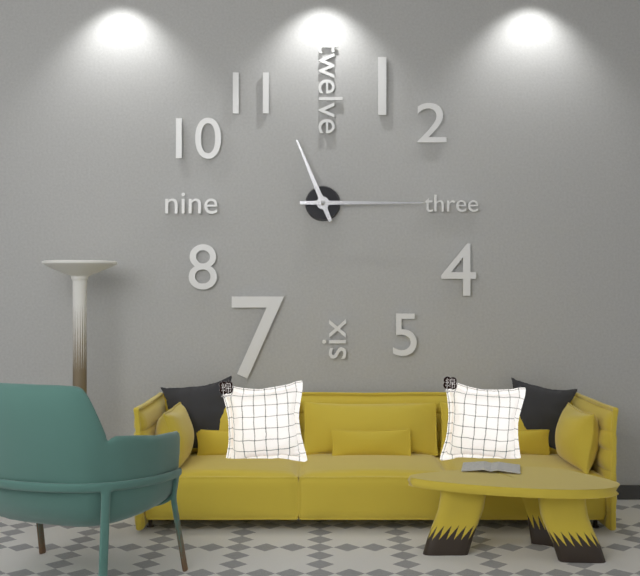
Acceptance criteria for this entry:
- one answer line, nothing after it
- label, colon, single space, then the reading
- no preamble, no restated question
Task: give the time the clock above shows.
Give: 11:15
